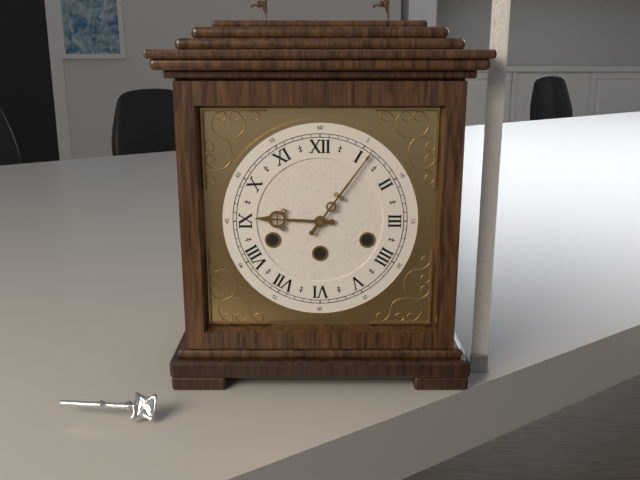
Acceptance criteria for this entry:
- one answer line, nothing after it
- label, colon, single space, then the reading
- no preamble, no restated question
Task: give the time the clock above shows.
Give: 9:06
